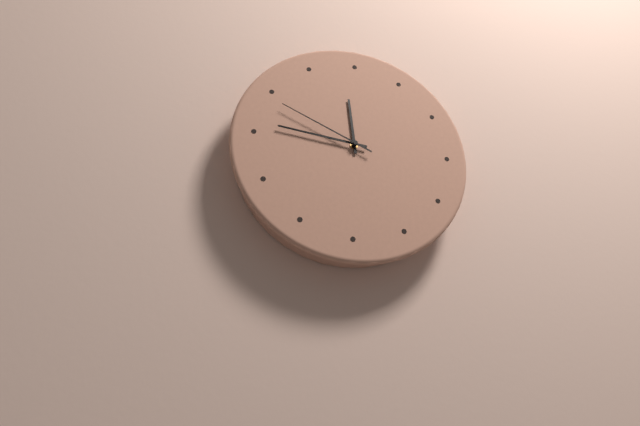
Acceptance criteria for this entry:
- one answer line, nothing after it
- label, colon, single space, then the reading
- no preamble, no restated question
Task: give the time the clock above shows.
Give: 11:46:49
